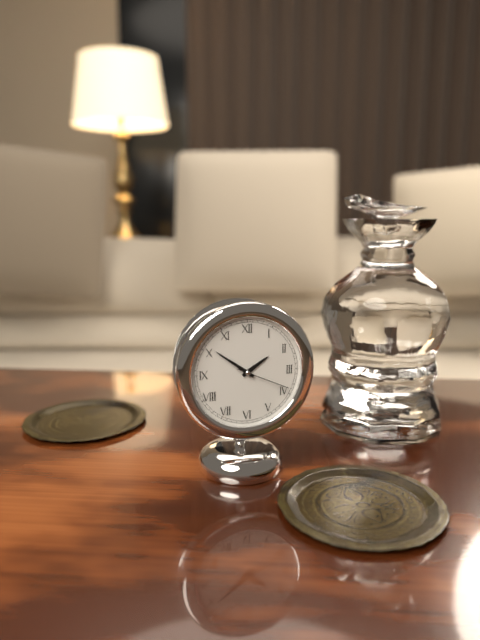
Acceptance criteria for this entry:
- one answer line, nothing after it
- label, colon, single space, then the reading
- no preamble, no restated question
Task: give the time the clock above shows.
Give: 1:51:19
